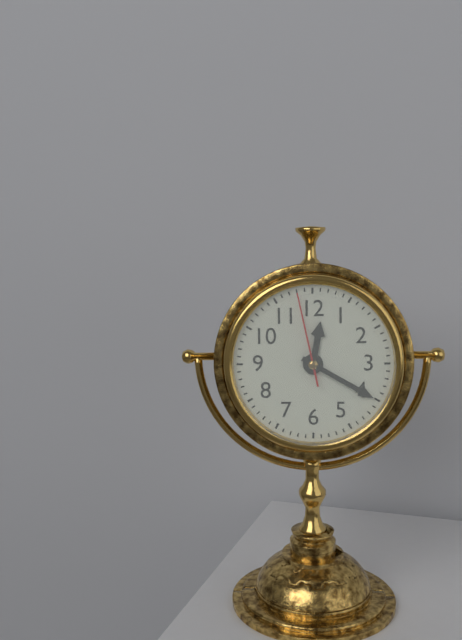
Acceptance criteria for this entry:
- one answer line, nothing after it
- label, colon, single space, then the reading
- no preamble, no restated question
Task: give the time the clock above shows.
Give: 12:20:58
